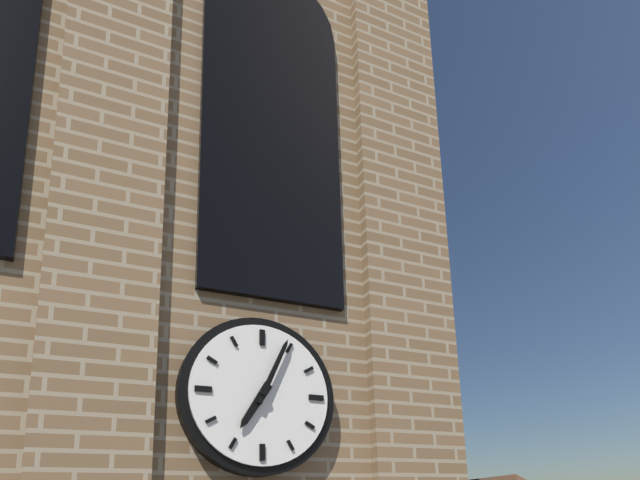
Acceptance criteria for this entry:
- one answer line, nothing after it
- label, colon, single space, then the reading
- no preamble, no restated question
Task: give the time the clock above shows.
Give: 7:04
